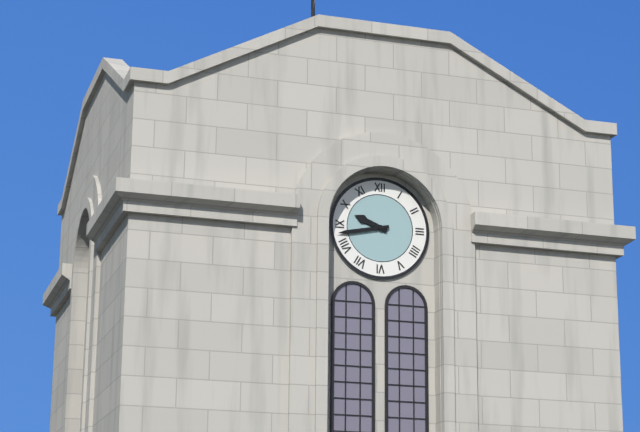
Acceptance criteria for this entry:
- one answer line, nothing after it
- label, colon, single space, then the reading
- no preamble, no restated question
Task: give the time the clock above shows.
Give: 9:43
